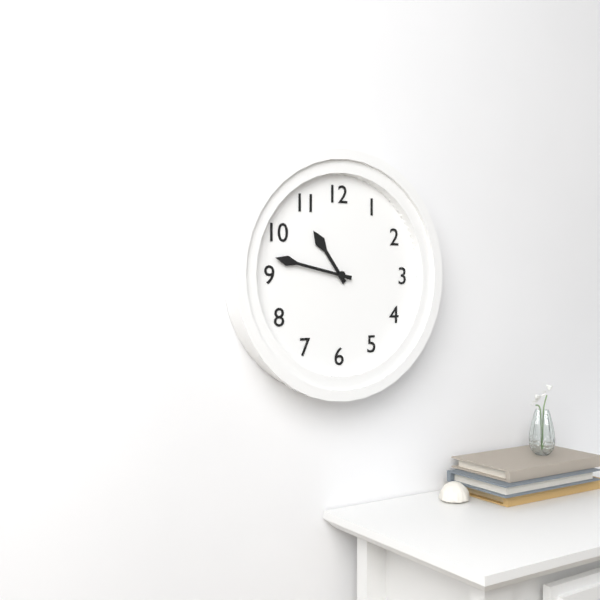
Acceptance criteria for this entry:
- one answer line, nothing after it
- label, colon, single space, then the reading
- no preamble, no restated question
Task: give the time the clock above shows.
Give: 10:47
